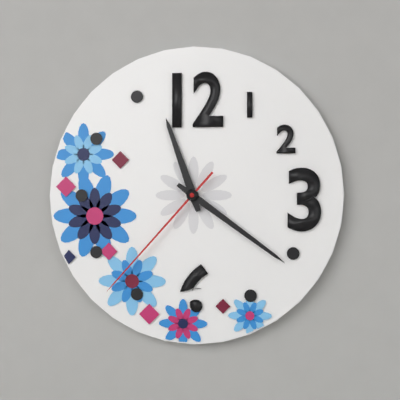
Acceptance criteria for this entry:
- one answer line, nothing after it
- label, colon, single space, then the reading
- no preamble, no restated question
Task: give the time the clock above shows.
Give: 11:21:37
